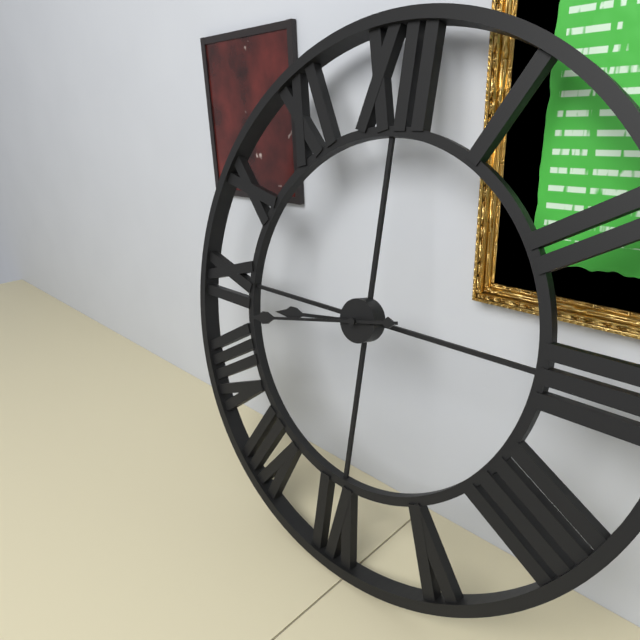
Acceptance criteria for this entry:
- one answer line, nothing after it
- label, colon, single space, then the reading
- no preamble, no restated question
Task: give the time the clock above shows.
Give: 8:43
